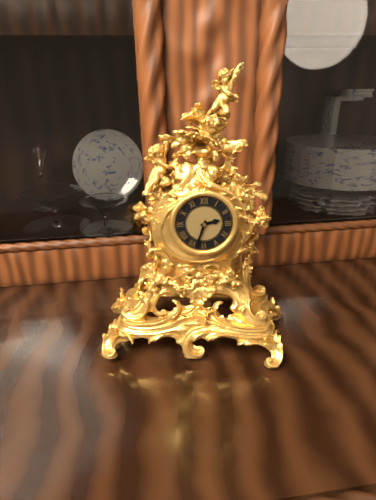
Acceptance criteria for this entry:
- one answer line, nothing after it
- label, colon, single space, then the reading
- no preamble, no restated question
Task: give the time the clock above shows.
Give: 2:33
